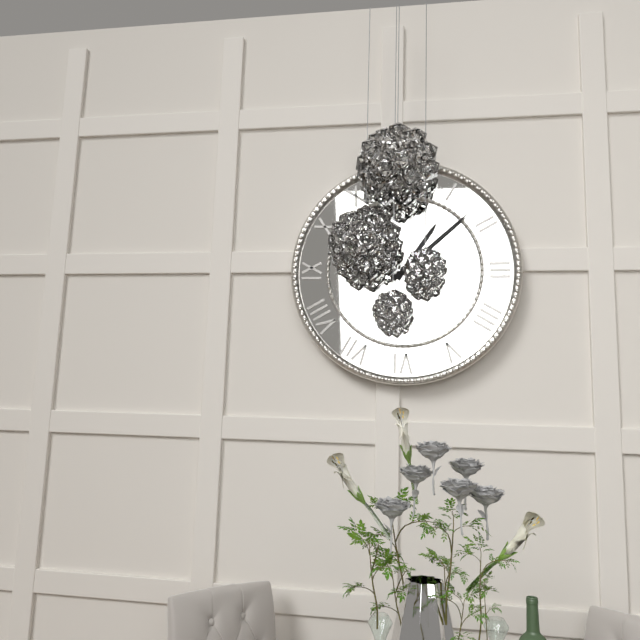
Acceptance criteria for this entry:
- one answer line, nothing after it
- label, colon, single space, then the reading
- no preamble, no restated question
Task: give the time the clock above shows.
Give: 1:08
